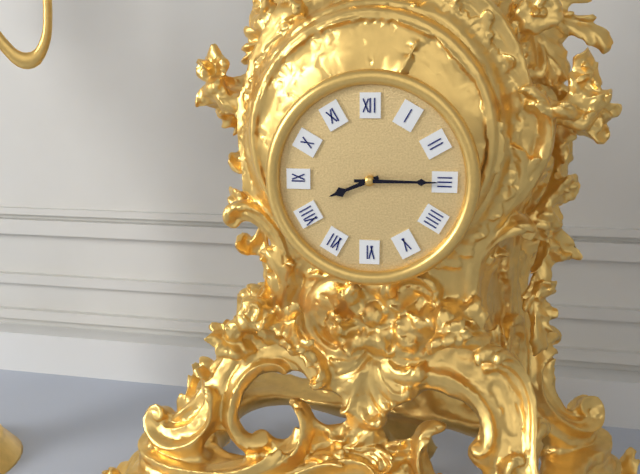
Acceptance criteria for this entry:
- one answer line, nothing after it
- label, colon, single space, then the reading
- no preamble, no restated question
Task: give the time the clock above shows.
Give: 8:15
